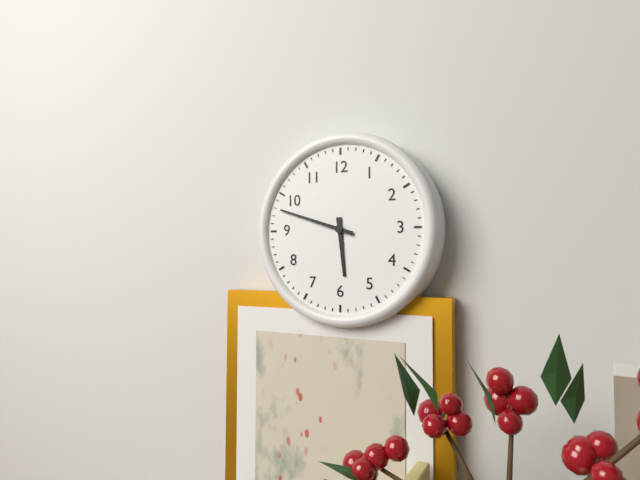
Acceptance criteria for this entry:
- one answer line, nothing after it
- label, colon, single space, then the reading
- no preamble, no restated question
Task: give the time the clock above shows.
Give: 5:48
